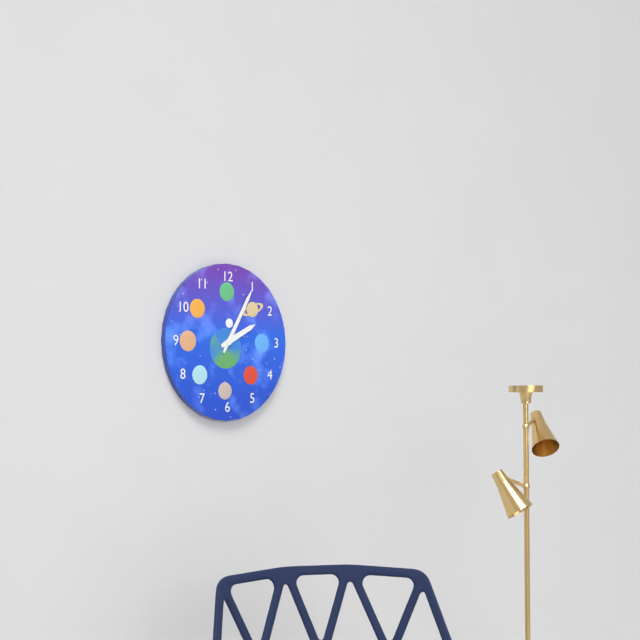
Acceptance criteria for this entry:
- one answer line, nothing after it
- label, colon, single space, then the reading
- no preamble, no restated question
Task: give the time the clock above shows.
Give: 2:05
